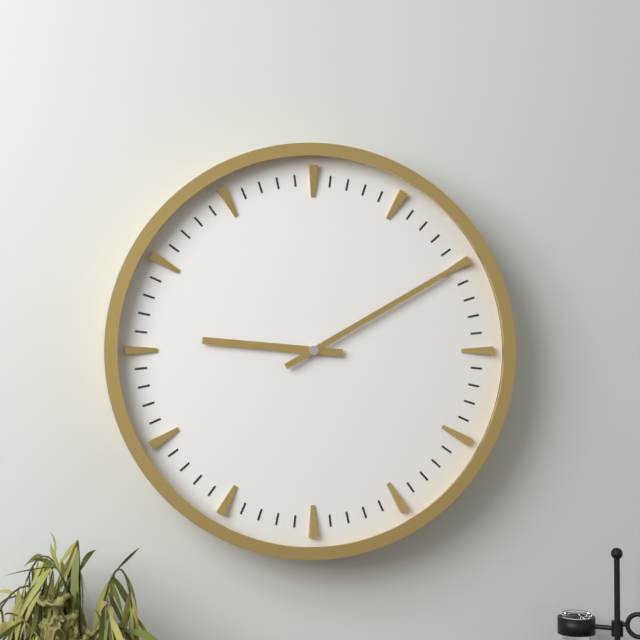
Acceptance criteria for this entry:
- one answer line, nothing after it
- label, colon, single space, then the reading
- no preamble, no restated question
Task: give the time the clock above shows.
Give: 9:10
